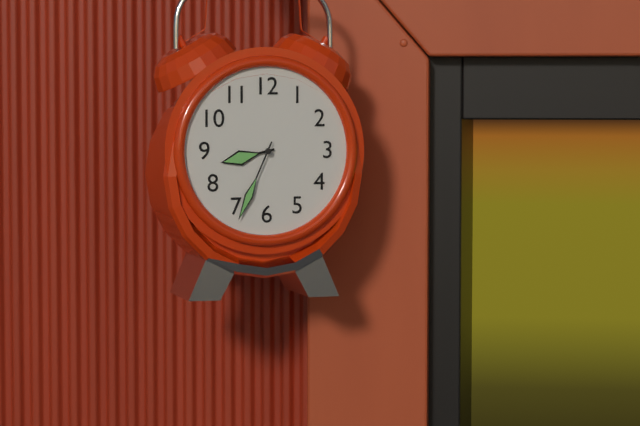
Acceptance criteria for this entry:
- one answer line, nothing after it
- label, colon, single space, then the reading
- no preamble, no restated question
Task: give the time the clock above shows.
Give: 8:34
